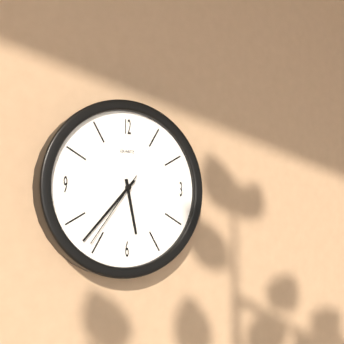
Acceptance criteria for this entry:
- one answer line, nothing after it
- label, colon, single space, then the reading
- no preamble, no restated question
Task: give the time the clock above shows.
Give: 5:37:36
